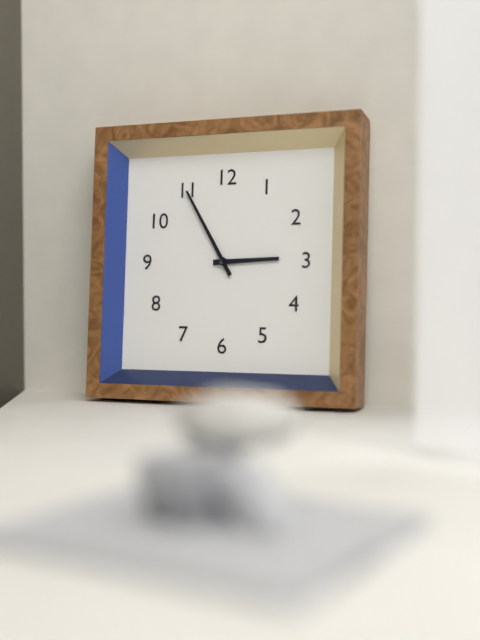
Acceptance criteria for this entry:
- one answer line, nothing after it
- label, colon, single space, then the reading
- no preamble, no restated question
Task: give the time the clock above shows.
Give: 2:55
